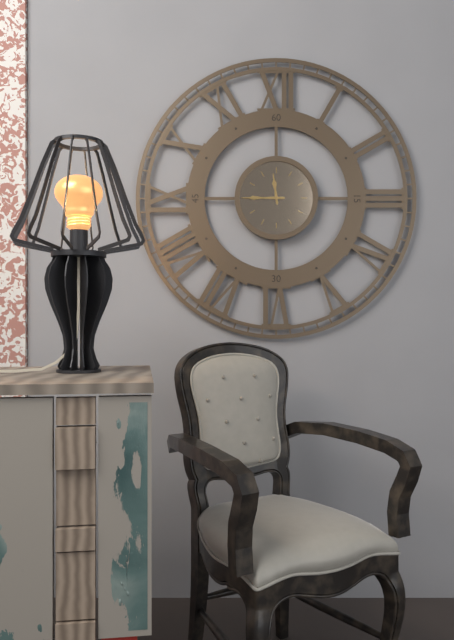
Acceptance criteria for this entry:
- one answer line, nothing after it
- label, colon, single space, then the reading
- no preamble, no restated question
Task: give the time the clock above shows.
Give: 11:45
